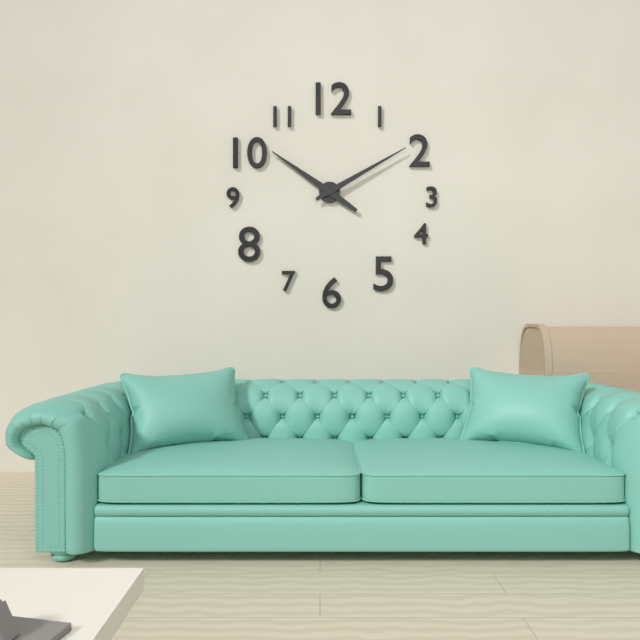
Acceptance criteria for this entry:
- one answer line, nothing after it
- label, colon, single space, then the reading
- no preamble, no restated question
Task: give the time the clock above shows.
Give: 10:10
